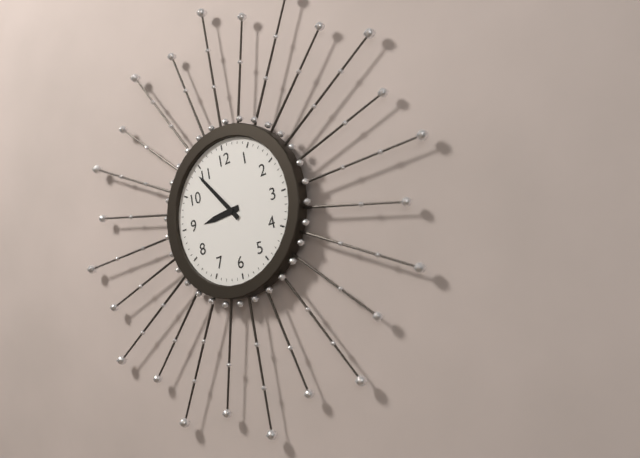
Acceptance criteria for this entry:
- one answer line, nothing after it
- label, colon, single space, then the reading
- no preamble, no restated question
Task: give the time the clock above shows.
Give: 8:54
